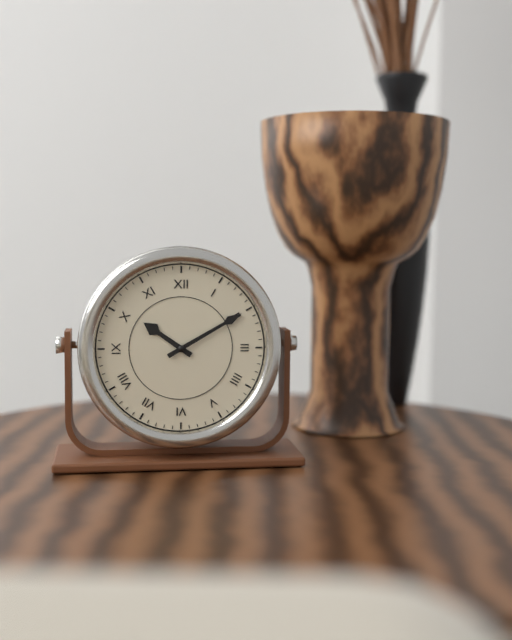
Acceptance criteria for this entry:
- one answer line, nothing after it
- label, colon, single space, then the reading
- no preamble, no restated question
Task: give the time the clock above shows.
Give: 10:10
